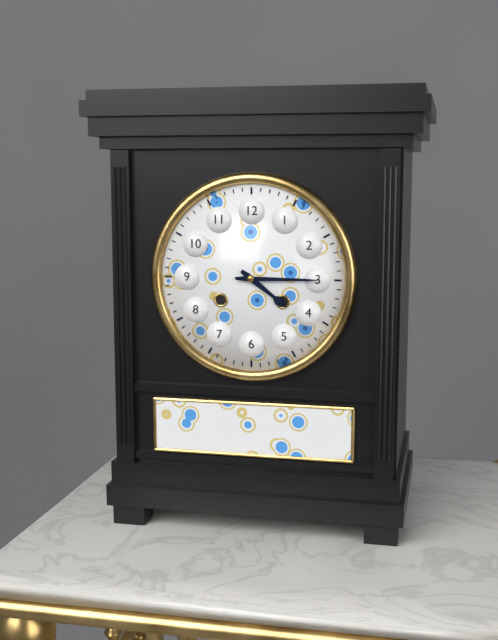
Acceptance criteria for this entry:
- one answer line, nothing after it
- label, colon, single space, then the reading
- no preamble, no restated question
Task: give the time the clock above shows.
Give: 4:15
